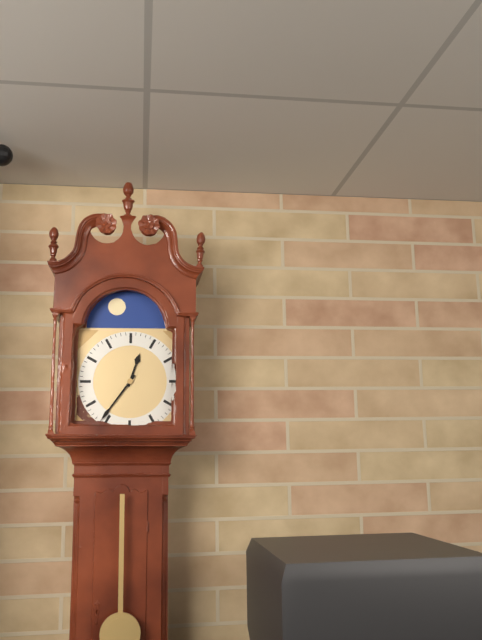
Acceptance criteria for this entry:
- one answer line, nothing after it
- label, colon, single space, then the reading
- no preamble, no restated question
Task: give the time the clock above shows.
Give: 12:36
